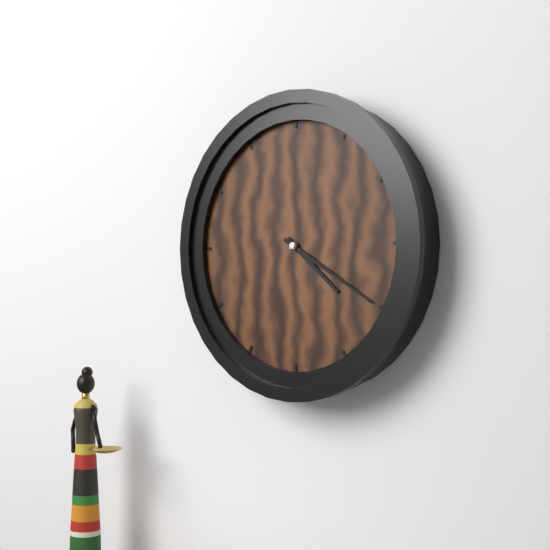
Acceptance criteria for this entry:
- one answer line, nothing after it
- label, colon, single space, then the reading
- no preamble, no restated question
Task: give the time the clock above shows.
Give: 4:20
